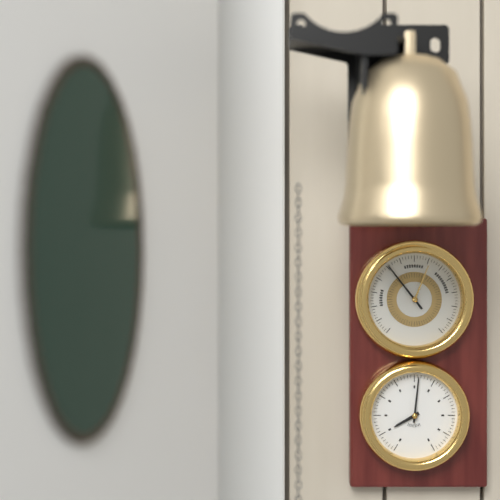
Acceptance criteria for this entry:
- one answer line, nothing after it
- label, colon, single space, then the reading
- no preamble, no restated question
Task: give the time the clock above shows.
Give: 8:01
